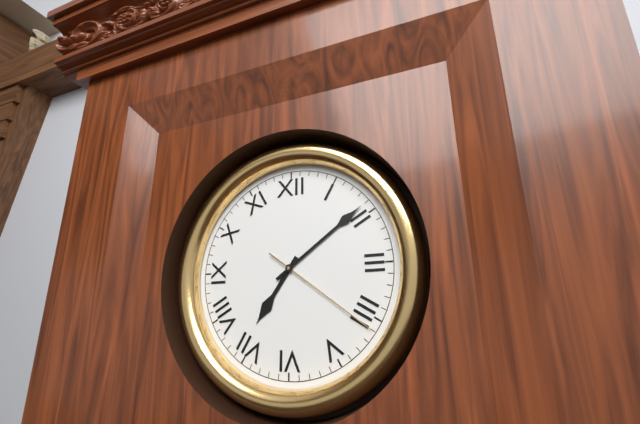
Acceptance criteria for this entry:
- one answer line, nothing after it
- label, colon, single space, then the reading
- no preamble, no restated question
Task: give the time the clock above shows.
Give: 7:09:21
